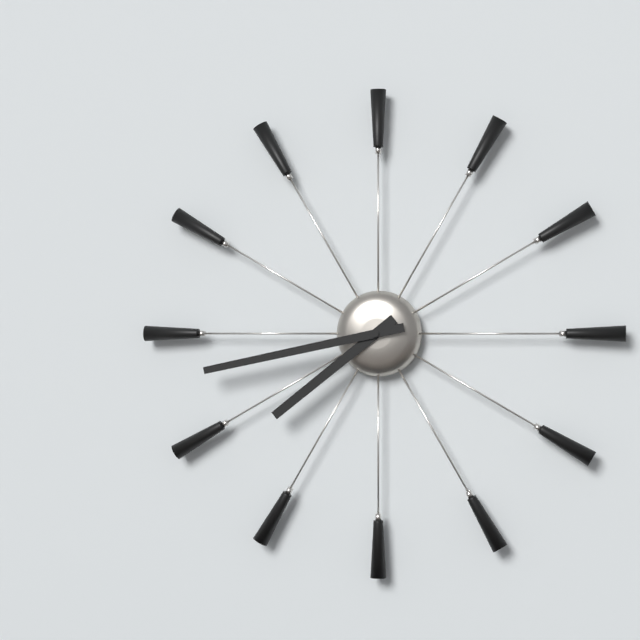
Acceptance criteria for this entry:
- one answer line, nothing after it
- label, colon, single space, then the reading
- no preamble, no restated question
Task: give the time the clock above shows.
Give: 7:43
